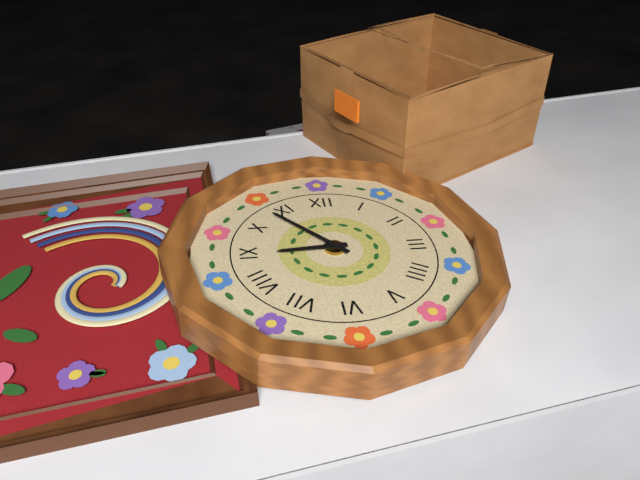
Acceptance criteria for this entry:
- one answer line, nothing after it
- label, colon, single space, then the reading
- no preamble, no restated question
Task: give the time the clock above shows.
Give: 8:53
